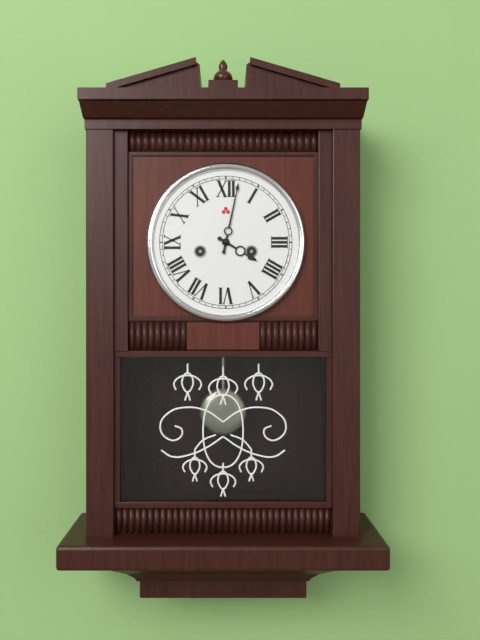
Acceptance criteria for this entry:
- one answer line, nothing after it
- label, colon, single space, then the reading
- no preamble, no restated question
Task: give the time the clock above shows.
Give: 4:02
